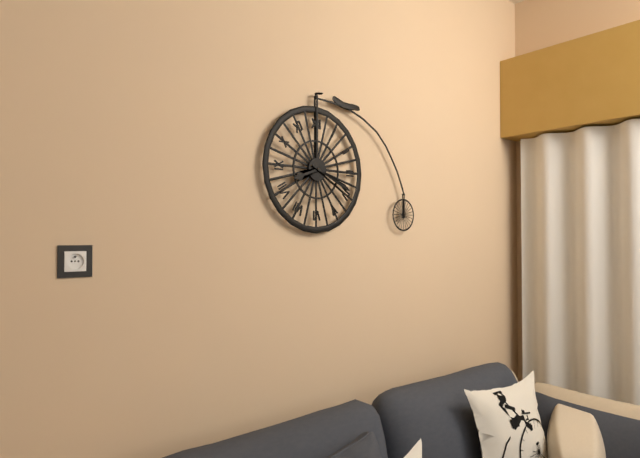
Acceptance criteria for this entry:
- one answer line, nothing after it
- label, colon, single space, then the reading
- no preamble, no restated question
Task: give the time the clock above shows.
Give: 8:19
